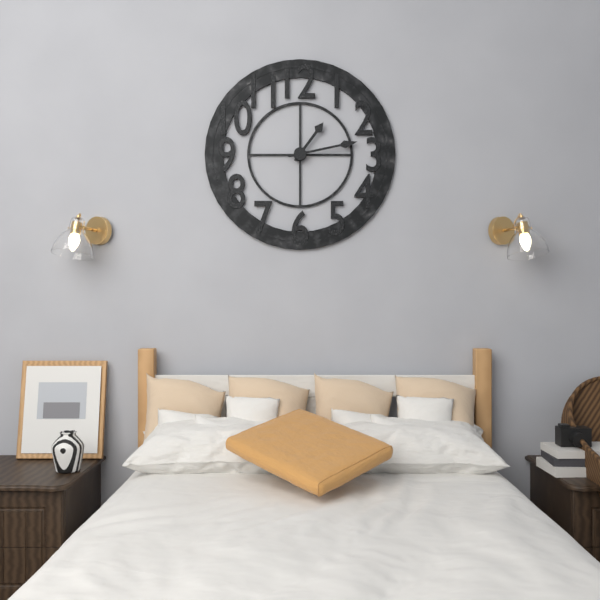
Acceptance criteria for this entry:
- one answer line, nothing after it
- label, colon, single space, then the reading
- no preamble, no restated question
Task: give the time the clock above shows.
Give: 1:13
